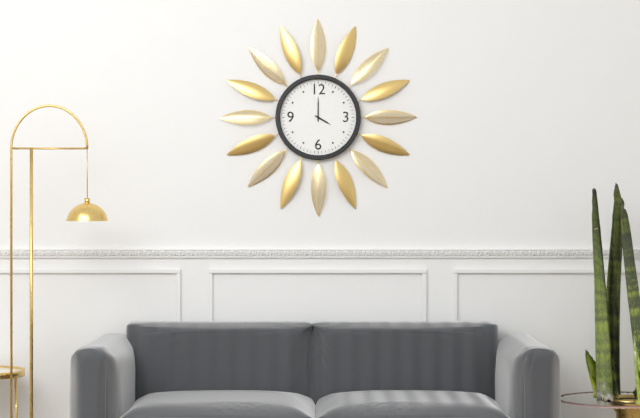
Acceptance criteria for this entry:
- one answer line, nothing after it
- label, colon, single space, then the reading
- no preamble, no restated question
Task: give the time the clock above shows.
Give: 4:00
